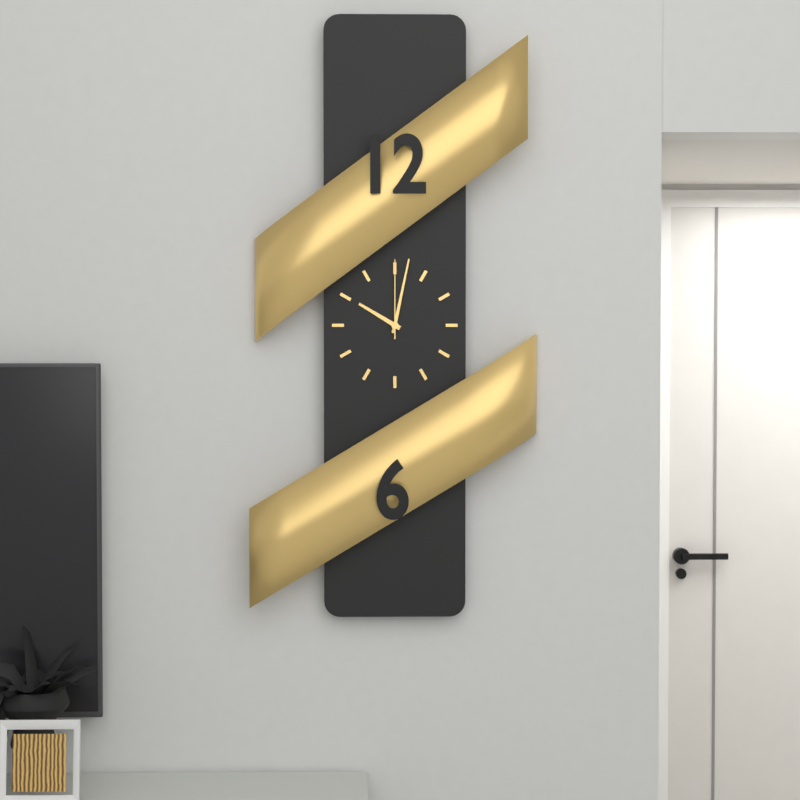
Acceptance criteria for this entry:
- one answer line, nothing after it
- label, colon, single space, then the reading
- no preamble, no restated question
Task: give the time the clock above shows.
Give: 10:02:00
